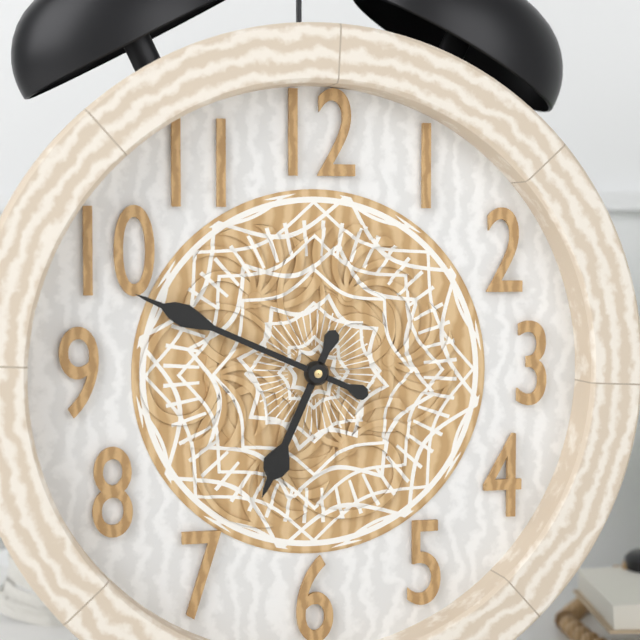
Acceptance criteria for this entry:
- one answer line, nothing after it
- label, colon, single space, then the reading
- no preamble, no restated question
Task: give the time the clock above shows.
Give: 6:49
